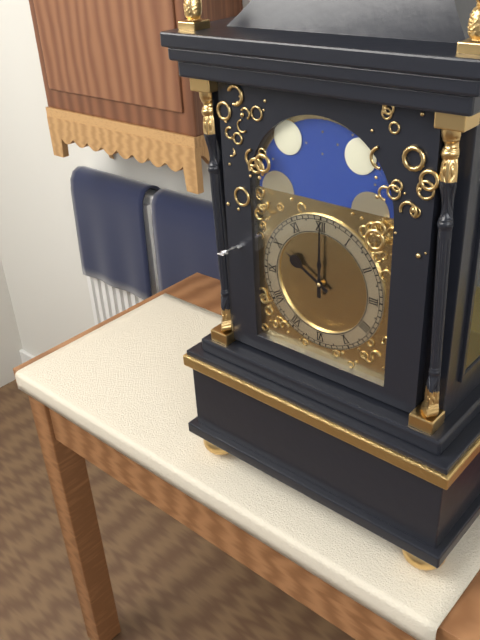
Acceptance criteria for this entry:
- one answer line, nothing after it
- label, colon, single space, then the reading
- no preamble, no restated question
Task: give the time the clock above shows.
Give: 10:00
